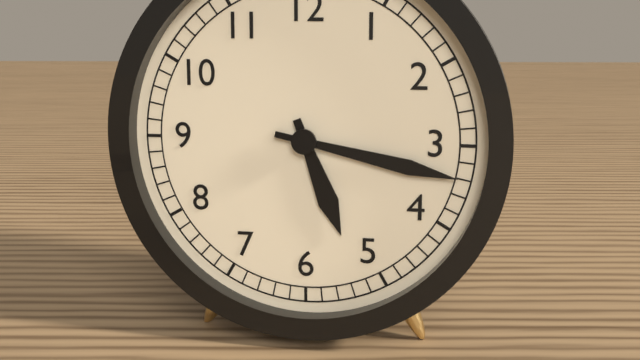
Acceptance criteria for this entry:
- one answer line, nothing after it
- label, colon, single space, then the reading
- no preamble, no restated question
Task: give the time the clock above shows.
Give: 5:17
